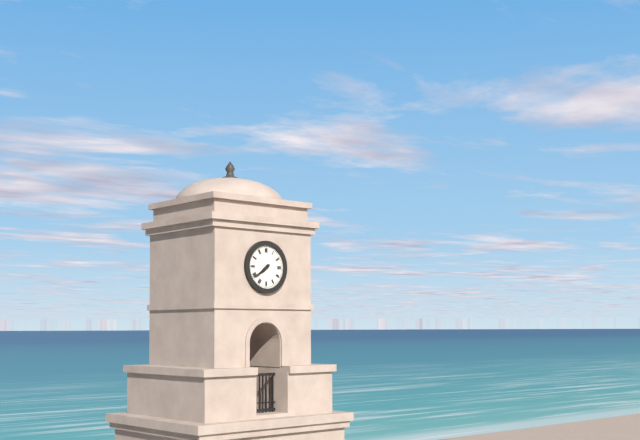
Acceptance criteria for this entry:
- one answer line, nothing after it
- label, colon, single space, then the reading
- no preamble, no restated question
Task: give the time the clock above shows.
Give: 7:39
